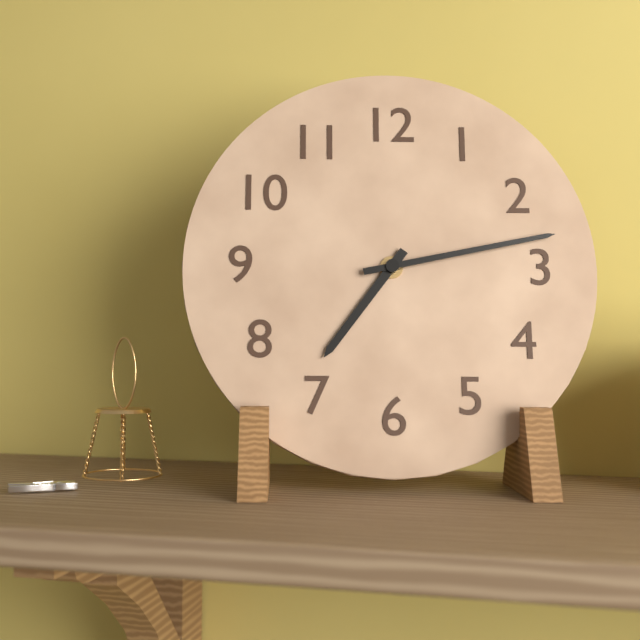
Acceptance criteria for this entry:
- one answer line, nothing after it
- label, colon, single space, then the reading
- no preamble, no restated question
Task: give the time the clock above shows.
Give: 7:13
